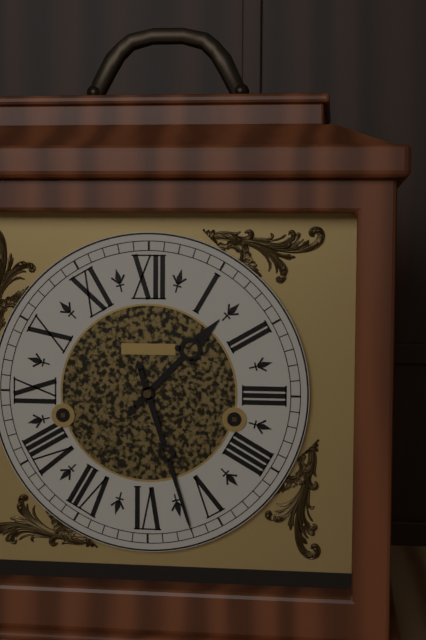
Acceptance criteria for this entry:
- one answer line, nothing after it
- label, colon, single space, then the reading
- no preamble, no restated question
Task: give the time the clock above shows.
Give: 1:27
